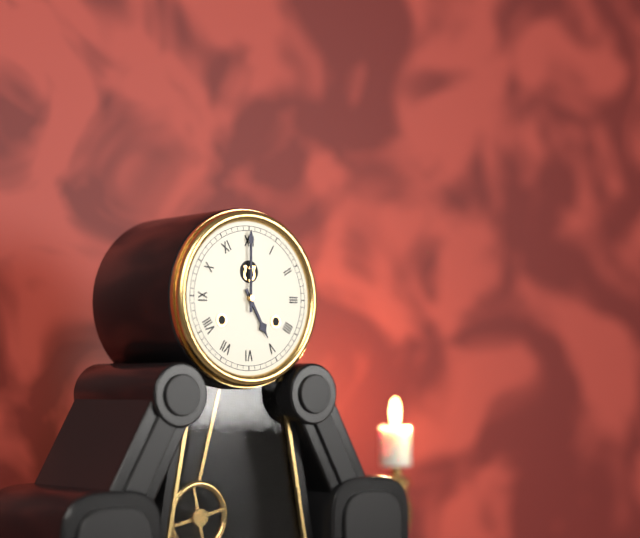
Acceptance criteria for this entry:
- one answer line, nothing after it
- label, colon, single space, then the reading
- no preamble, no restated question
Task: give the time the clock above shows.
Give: 5:00
